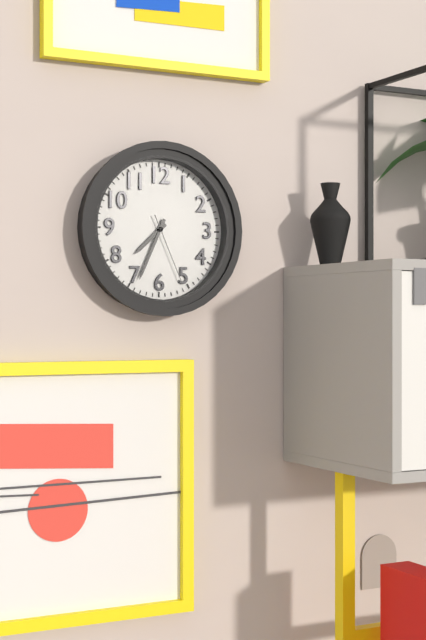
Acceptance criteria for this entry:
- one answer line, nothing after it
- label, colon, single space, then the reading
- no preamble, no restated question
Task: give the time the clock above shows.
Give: 7:34:26
